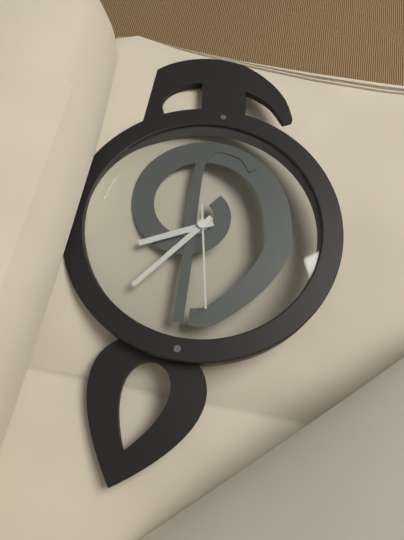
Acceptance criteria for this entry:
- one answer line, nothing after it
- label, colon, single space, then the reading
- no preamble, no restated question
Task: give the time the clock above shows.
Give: 2:06:58
